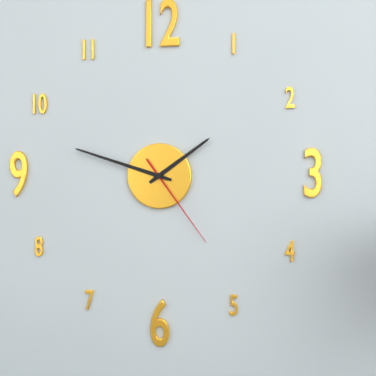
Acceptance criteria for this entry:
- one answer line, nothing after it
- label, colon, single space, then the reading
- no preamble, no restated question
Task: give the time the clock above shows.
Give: 1:48:24
